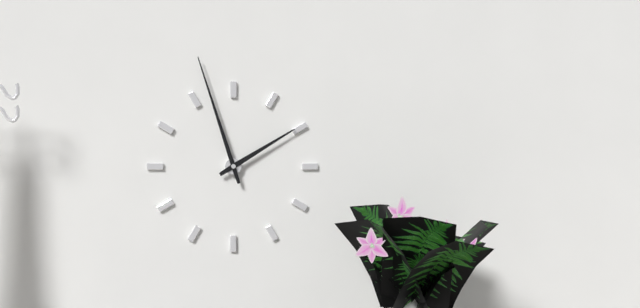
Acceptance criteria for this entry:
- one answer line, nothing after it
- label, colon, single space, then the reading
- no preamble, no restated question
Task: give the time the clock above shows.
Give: 1:57
